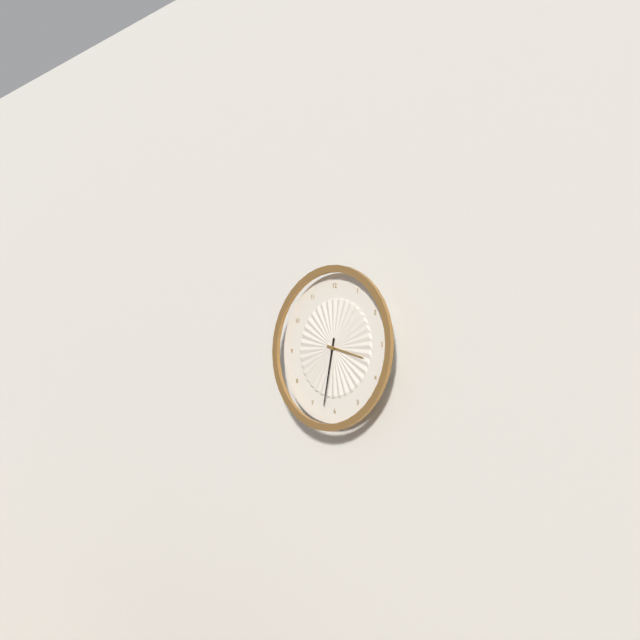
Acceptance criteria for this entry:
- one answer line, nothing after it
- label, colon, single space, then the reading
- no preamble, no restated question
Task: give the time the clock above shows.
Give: 3:32
